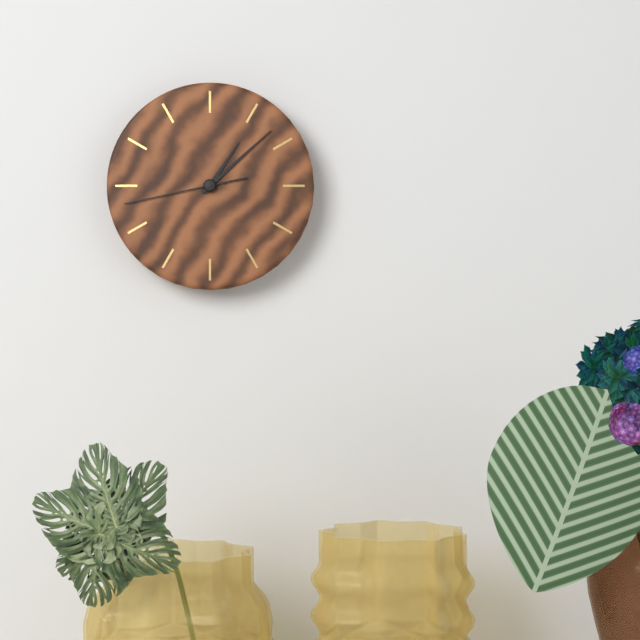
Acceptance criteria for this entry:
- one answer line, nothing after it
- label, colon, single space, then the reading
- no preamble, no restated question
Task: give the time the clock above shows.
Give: 1:08:43
